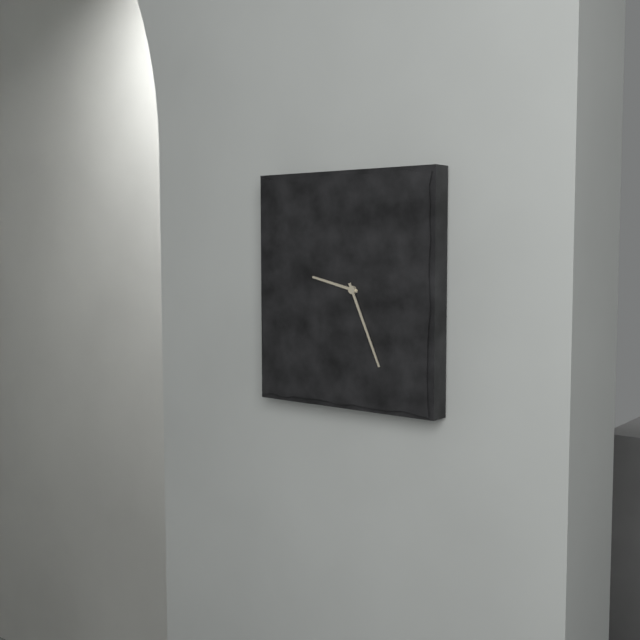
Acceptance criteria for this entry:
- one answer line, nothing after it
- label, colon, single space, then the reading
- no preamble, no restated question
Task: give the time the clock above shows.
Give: 9:26
